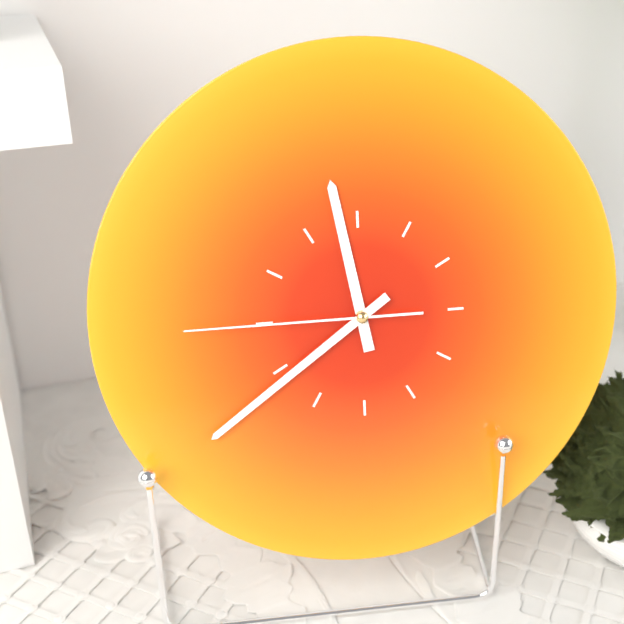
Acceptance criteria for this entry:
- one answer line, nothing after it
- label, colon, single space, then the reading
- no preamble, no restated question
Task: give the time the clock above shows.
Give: 11:39:45
